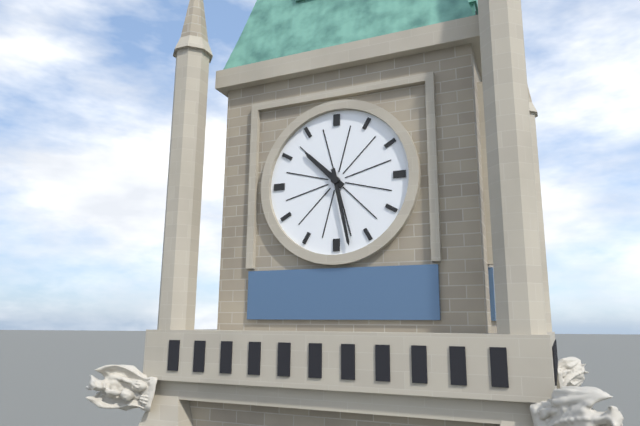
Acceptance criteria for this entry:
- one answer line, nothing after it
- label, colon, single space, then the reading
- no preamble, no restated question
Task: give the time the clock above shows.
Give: 10:28
